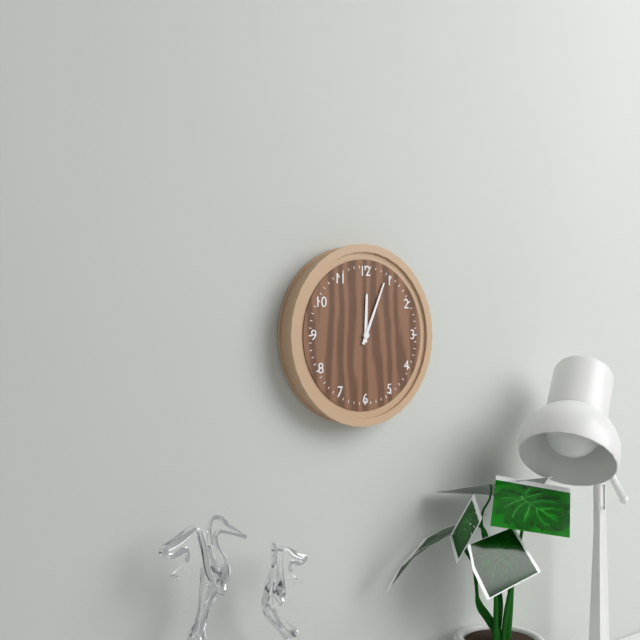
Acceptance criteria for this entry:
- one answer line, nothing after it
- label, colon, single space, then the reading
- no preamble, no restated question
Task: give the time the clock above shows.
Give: 12:04
